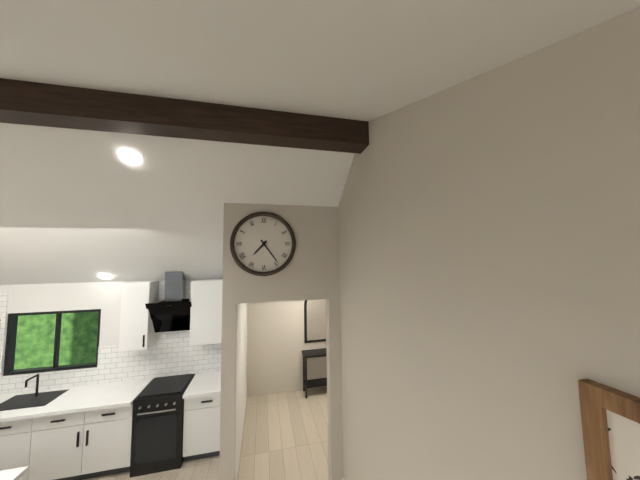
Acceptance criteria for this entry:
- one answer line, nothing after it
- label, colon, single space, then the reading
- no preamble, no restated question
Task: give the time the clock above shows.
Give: 7:24
